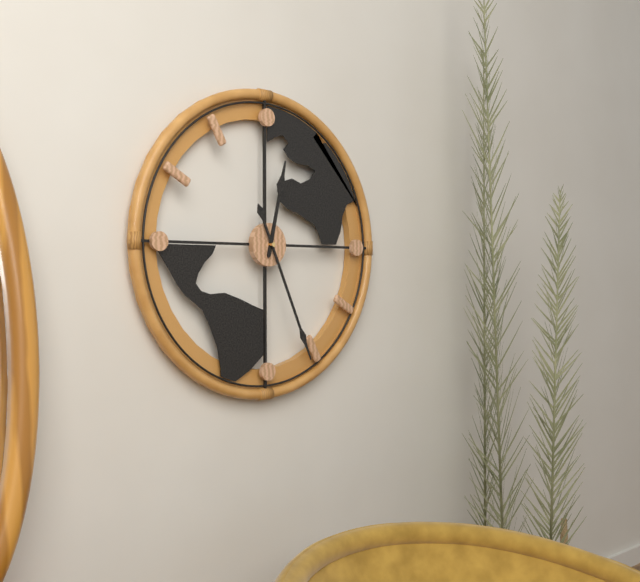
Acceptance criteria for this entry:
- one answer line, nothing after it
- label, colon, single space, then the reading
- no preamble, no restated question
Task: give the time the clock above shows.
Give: 12:26
